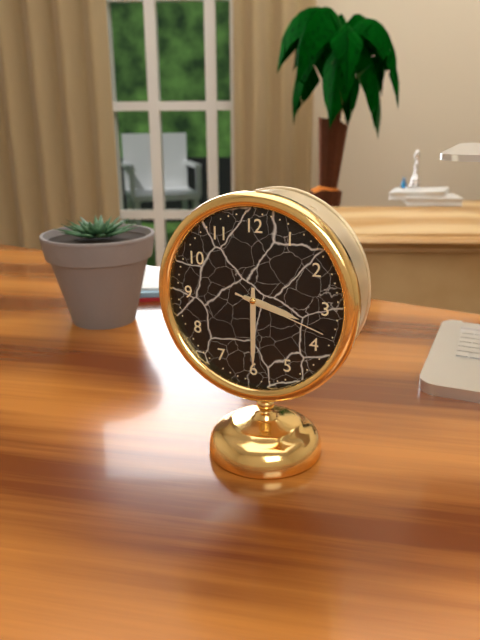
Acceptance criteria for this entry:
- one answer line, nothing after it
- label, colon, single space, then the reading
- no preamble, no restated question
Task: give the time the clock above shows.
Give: 3:30:18
